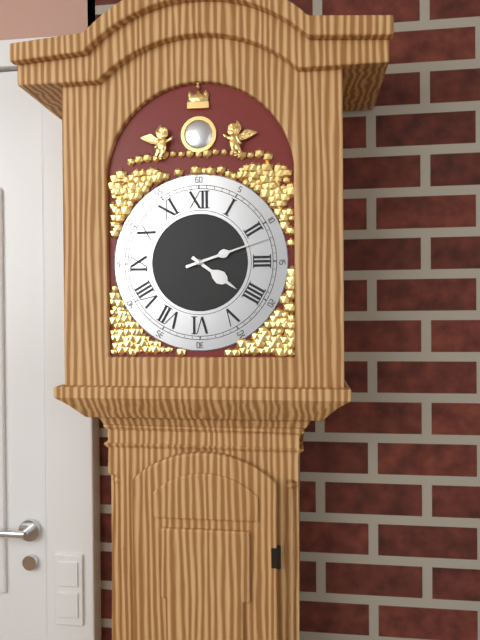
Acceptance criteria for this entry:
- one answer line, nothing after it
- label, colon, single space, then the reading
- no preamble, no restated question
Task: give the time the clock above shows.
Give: 4:12
